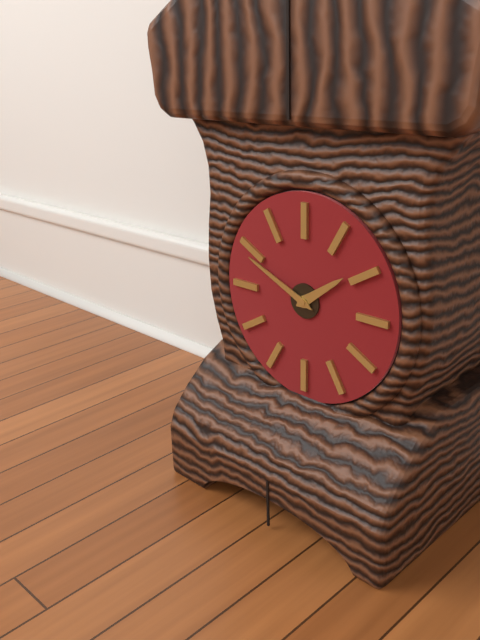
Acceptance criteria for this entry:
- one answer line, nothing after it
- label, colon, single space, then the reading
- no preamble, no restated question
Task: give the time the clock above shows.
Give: 1:49
